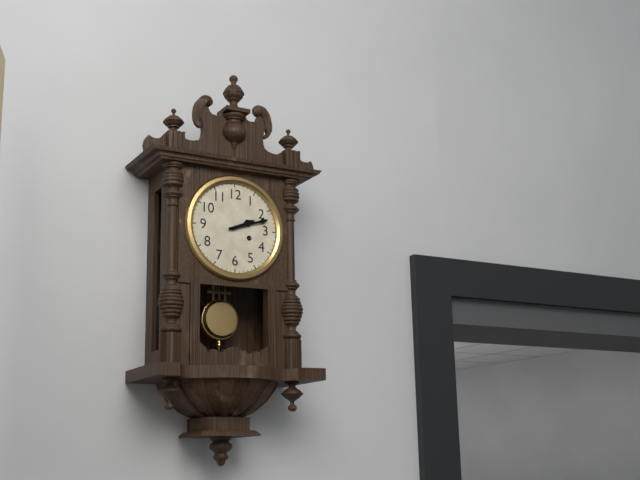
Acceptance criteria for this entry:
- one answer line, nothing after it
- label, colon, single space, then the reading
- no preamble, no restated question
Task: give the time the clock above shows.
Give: 2:12
